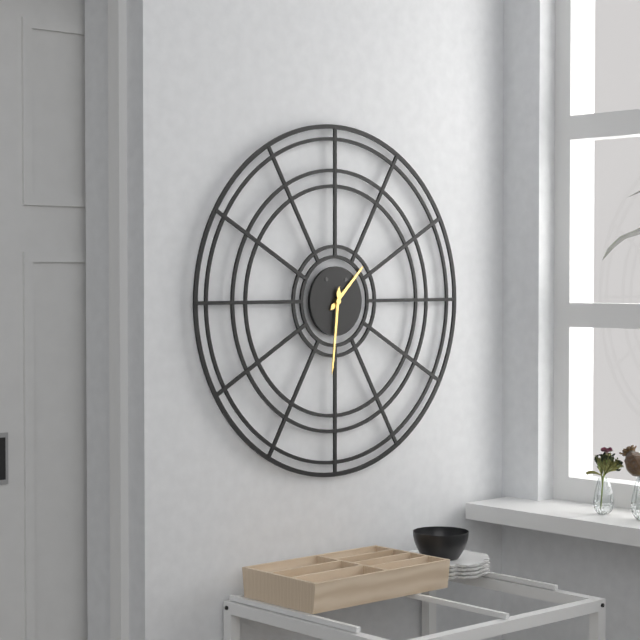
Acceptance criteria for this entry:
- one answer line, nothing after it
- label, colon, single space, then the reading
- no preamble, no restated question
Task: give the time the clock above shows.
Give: 1:31
